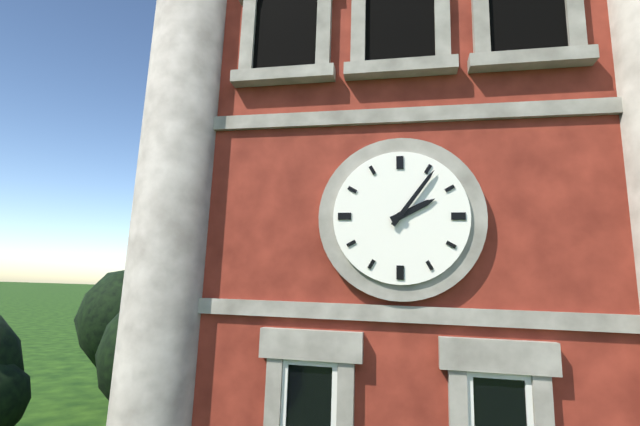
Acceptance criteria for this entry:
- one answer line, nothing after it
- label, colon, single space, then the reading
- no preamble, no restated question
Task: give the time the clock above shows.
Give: 2:06
